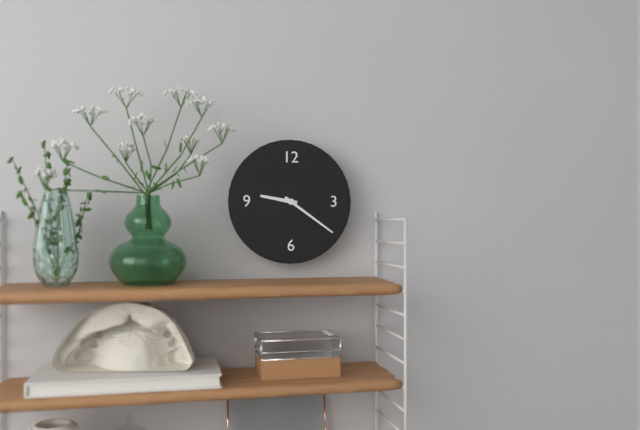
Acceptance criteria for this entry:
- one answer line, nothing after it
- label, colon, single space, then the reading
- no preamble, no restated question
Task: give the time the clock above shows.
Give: 9:21
